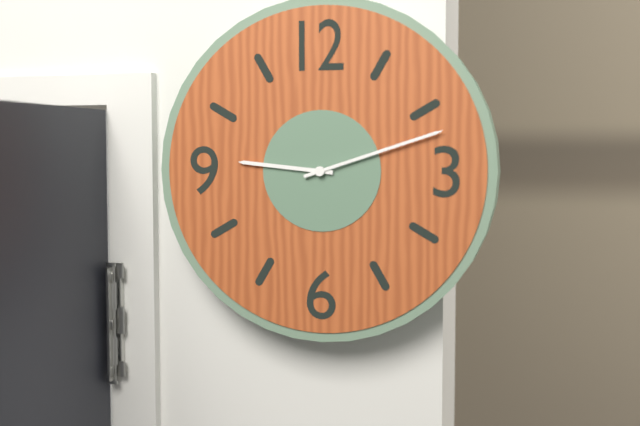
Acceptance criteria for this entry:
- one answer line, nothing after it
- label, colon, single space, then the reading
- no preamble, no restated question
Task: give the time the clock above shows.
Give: 9:12
